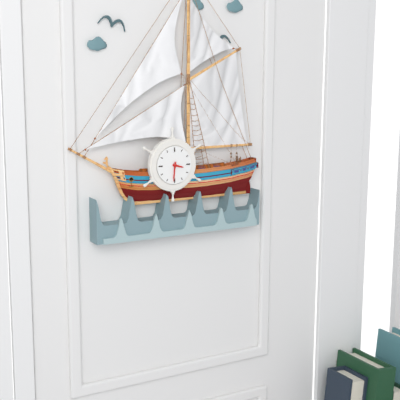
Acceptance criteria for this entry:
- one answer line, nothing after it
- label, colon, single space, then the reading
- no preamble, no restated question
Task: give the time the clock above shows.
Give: 3:31
